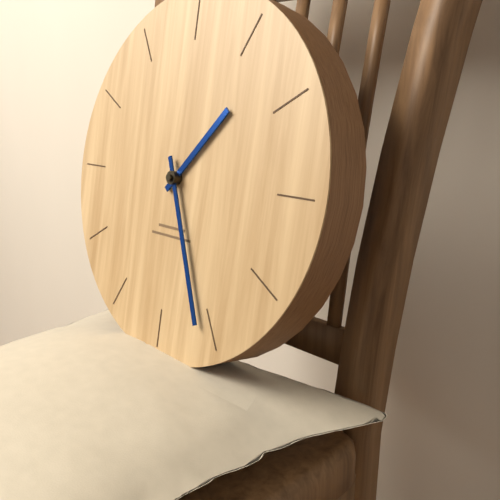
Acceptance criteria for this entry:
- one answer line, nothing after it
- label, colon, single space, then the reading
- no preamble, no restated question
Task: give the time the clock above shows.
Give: 1:26
